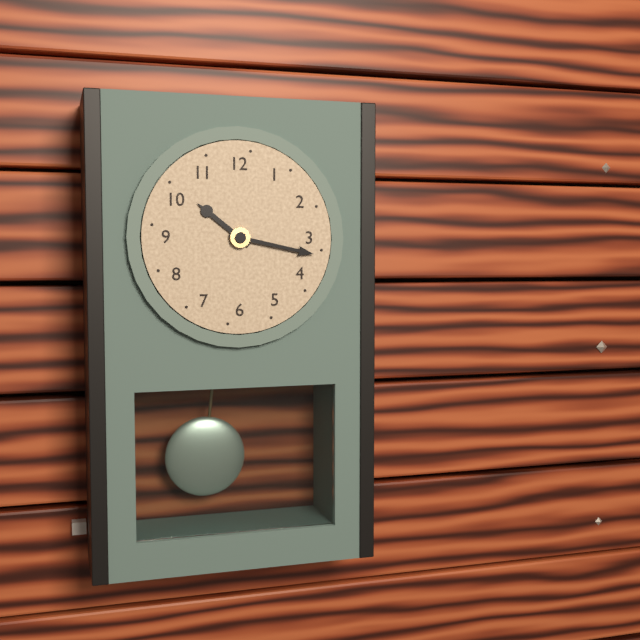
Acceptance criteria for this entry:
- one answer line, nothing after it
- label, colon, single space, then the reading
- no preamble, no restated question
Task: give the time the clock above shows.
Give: 10:17
